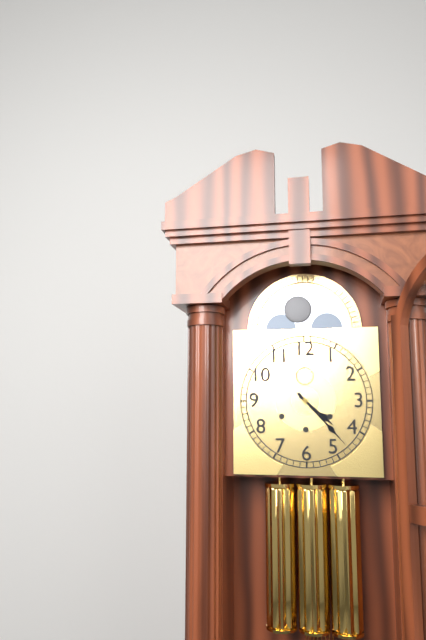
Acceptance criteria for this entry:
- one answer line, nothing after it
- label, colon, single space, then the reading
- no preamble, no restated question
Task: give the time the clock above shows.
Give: 4:23
